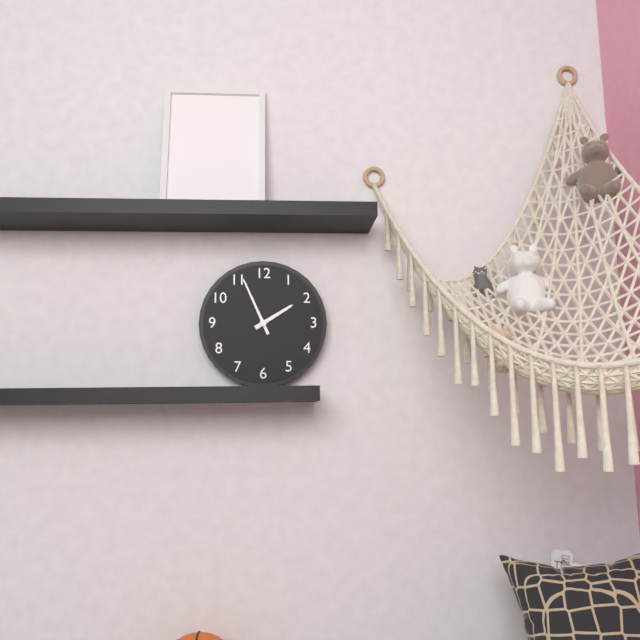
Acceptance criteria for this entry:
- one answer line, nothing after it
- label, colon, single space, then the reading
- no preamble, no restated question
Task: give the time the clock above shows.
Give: 1:56
